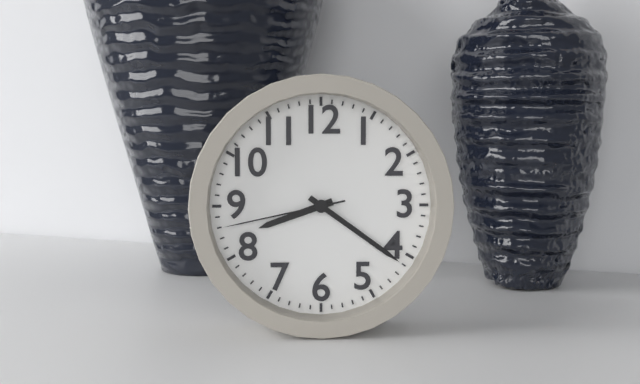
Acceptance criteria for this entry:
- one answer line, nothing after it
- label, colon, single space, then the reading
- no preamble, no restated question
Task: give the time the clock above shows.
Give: 8:21:43
